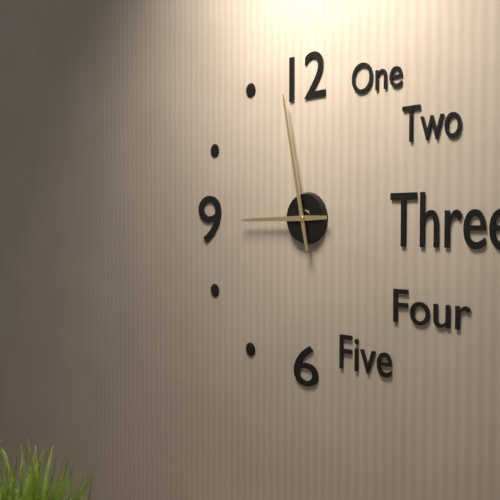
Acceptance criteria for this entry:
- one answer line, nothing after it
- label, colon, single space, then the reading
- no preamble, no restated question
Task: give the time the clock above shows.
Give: 8:58
